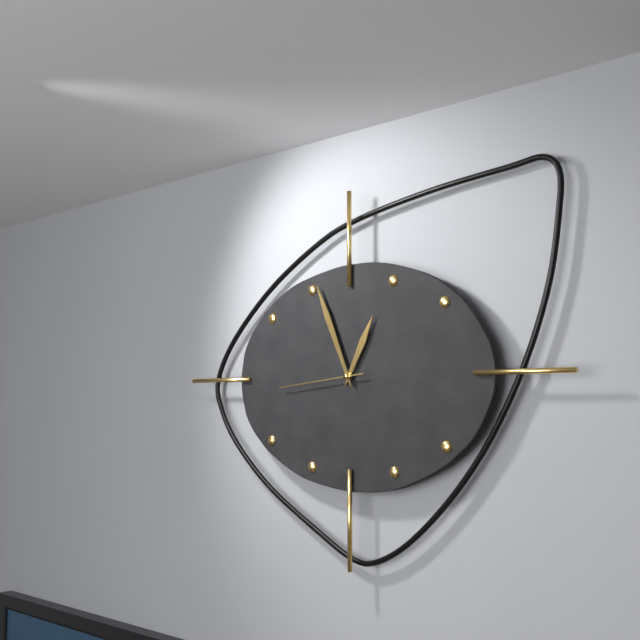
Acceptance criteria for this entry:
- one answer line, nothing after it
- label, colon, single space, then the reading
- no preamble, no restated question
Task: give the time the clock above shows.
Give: 12:56:44
